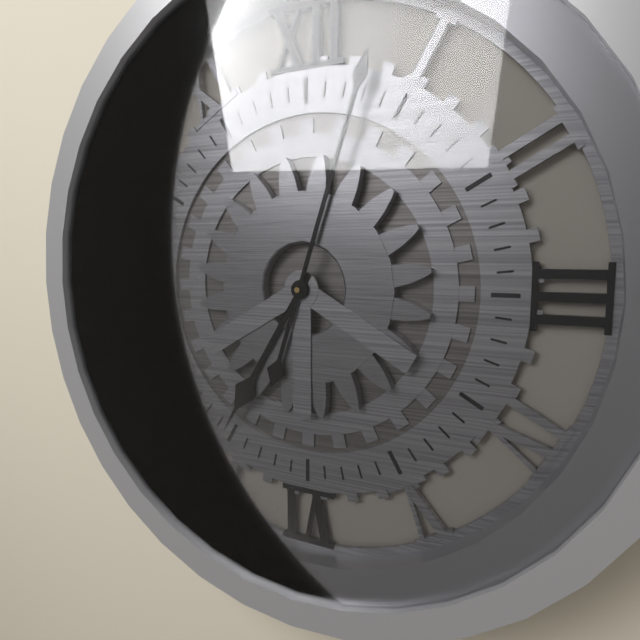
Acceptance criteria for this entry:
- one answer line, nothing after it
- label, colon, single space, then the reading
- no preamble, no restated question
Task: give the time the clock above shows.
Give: 7:03
